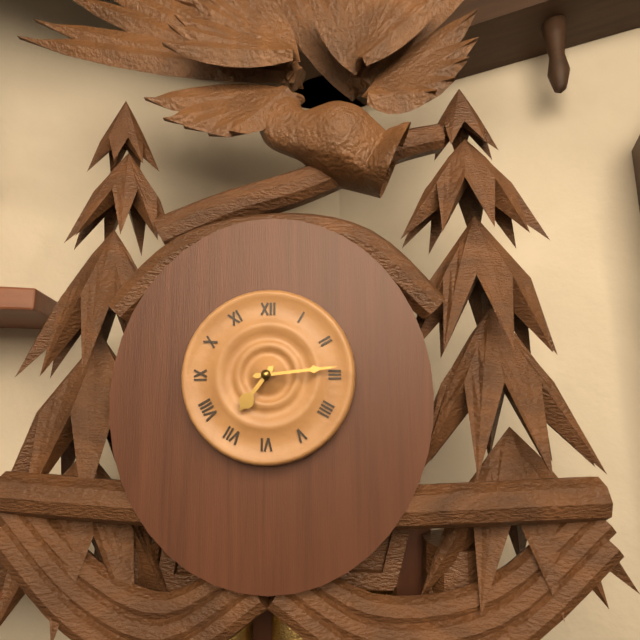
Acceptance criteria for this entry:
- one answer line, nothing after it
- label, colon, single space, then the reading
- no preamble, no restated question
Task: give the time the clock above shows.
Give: 7:14
